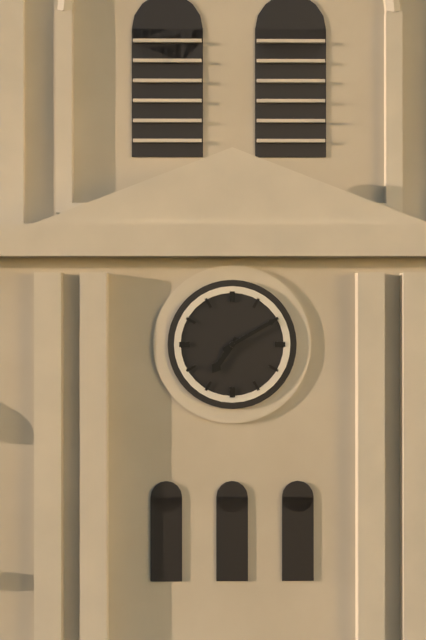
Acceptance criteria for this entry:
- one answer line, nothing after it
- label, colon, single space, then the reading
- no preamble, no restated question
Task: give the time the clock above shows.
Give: 7:10
